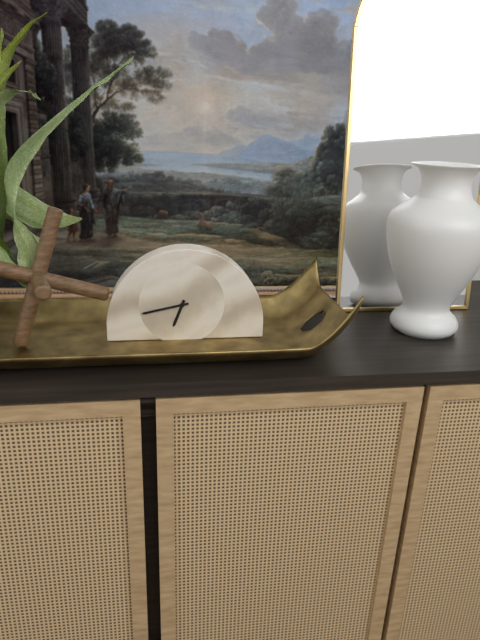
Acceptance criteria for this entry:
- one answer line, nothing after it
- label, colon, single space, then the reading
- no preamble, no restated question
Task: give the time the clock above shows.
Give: 6:43
